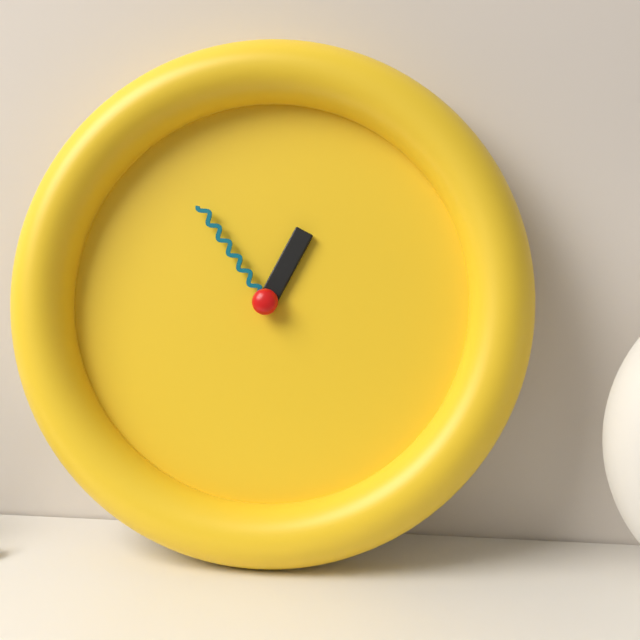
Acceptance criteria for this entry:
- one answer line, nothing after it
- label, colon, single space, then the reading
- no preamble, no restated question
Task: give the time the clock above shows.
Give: 12:54
